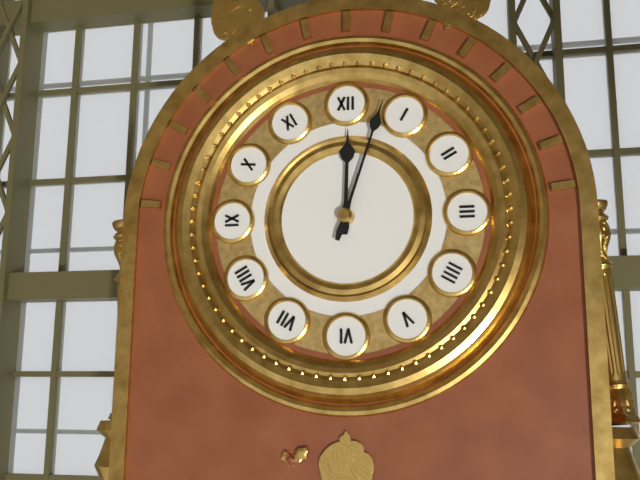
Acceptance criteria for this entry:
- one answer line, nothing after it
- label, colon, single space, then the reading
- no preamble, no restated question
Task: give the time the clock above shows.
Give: 12:03
